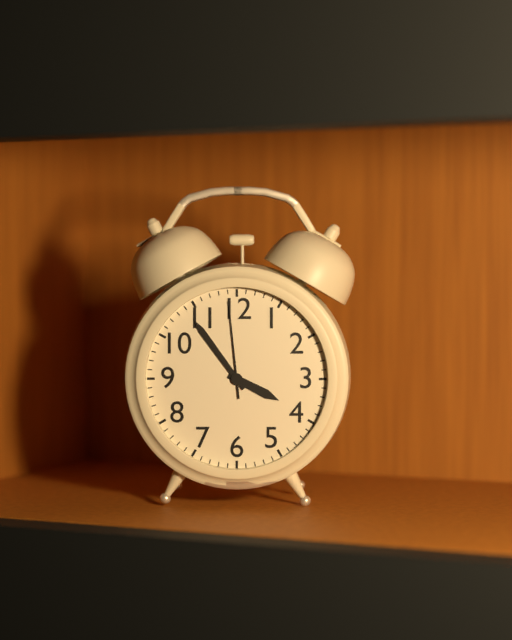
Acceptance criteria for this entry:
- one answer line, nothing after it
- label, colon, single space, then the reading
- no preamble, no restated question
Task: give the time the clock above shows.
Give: 3:54:59
